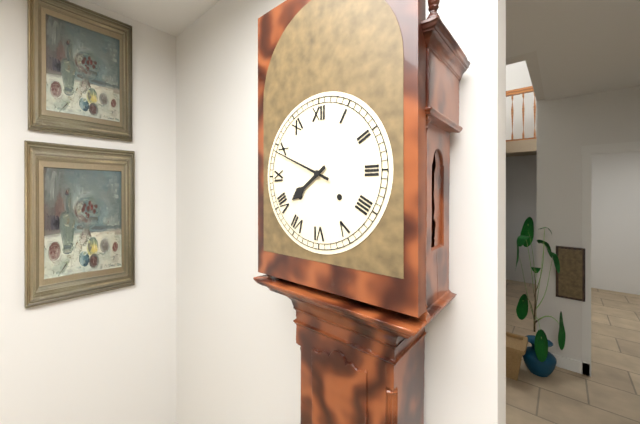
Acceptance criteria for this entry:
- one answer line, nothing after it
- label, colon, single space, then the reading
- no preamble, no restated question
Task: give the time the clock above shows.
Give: 7:49
